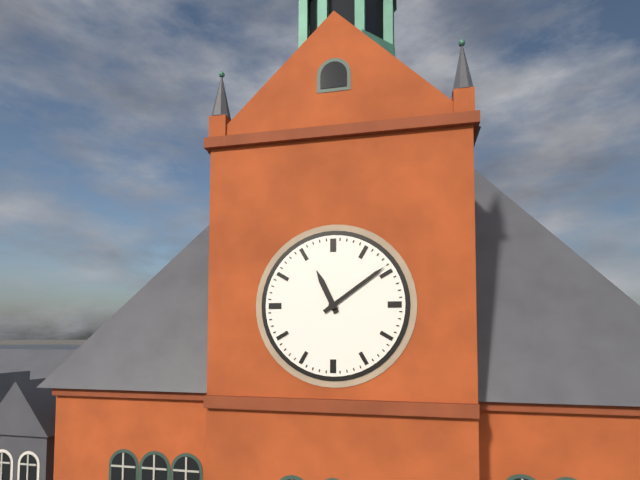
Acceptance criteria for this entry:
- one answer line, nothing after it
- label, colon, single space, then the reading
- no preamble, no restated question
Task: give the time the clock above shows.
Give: 11:09
